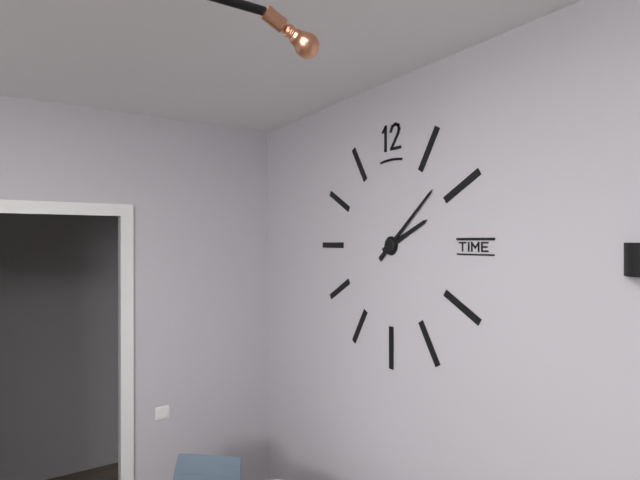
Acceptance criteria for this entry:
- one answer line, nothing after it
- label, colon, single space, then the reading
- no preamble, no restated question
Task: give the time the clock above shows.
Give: 2:08
